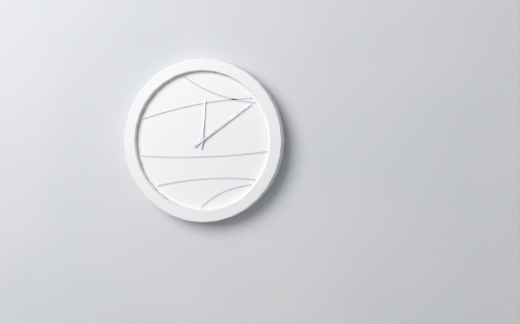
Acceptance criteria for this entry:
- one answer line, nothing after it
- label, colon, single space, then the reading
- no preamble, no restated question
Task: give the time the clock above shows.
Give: 12:09
